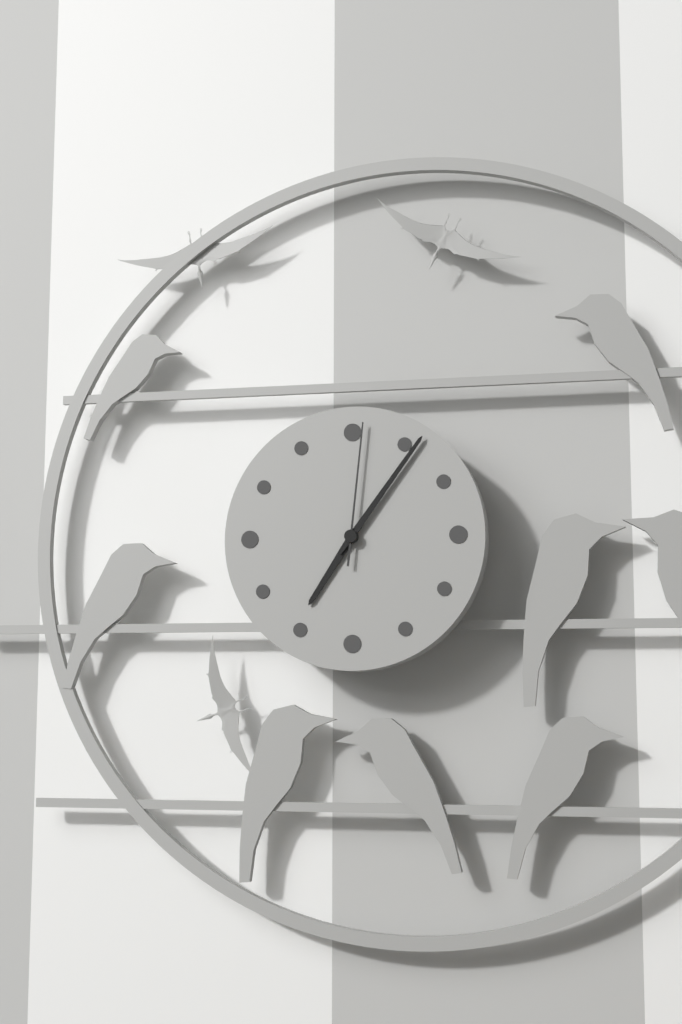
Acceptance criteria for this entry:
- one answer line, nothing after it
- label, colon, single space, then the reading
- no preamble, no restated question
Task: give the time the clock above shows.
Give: 7:06:01
